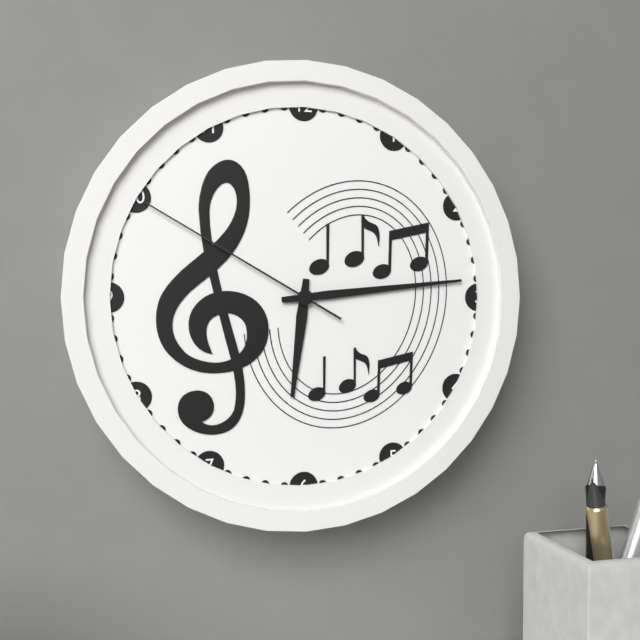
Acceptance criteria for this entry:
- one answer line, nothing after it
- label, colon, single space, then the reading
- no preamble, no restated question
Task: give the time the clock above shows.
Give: 6:14:50
